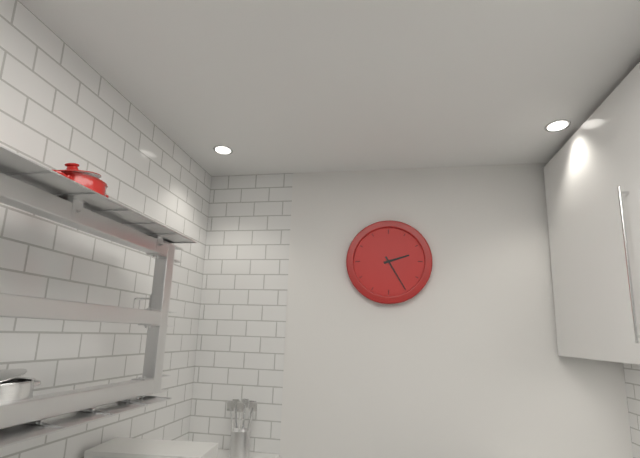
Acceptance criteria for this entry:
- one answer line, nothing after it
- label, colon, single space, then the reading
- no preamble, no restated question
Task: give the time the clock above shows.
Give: 2:25
